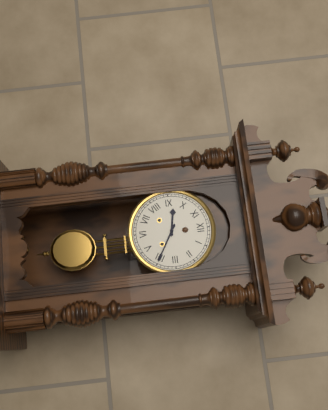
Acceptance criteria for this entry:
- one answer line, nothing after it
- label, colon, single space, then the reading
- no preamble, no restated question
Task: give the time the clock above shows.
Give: 9:20
